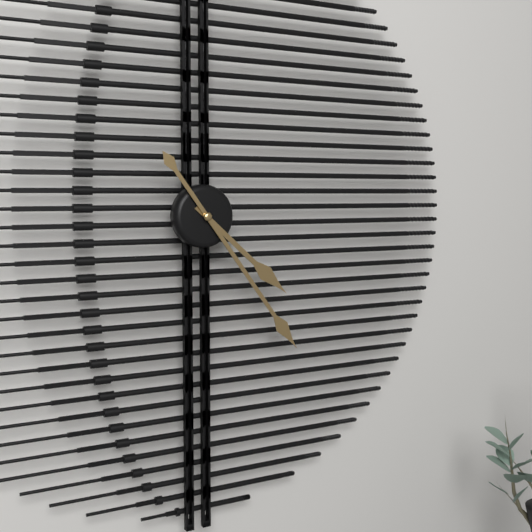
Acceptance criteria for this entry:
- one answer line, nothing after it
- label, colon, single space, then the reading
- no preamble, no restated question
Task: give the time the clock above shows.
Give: 4:24
